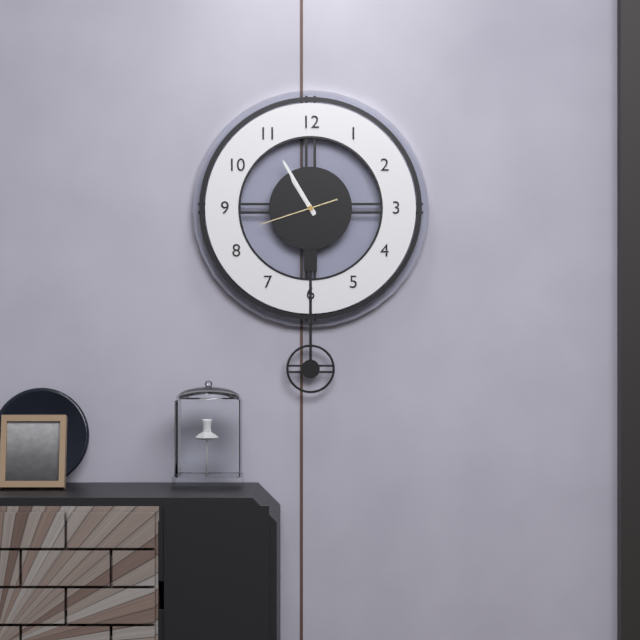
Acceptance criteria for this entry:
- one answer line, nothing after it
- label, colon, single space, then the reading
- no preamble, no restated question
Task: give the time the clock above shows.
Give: 10:55:42
